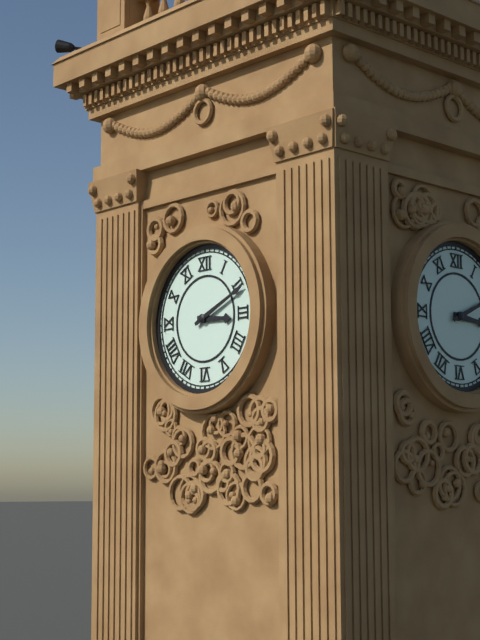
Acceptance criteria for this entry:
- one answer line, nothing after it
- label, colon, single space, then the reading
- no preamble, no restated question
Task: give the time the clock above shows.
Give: 3:11
